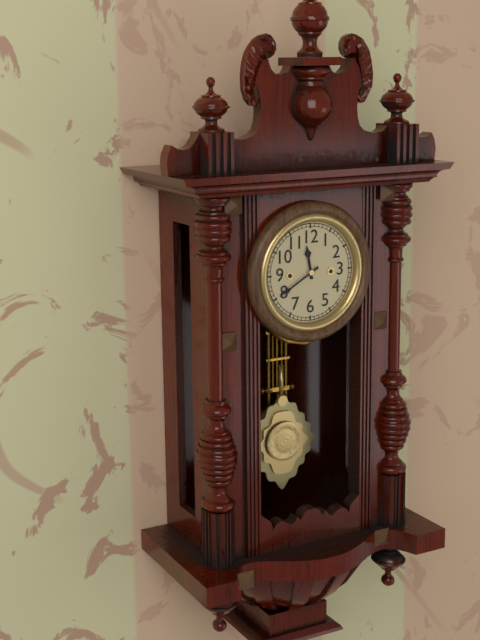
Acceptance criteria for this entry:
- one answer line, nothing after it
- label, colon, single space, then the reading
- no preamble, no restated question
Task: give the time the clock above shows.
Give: 11:40
